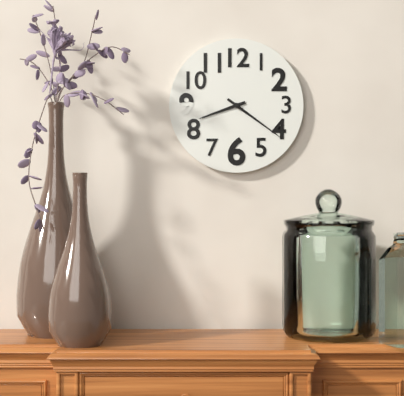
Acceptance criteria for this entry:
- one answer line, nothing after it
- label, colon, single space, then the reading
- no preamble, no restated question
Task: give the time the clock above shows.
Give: 8:21
